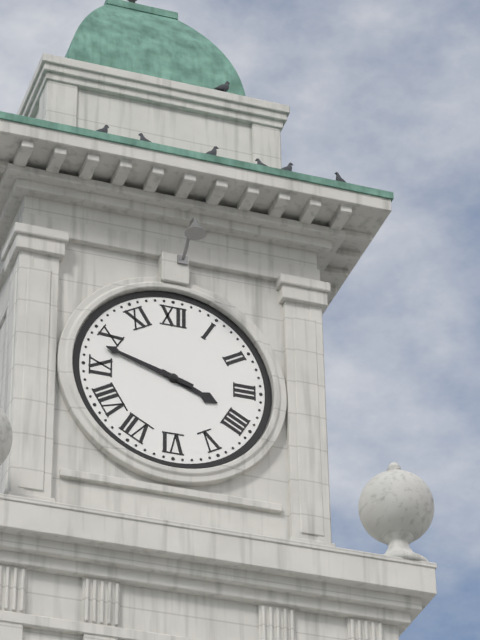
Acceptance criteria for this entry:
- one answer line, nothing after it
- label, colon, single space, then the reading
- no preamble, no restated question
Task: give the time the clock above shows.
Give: 3:48
